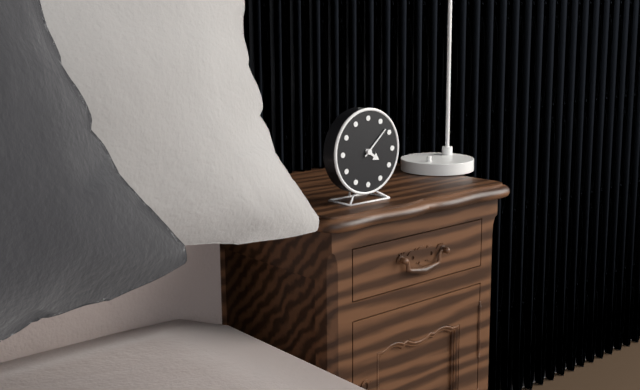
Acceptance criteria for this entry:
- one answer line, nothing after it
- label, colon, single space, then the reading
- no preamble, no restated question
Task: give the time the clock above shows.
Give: 4:08
